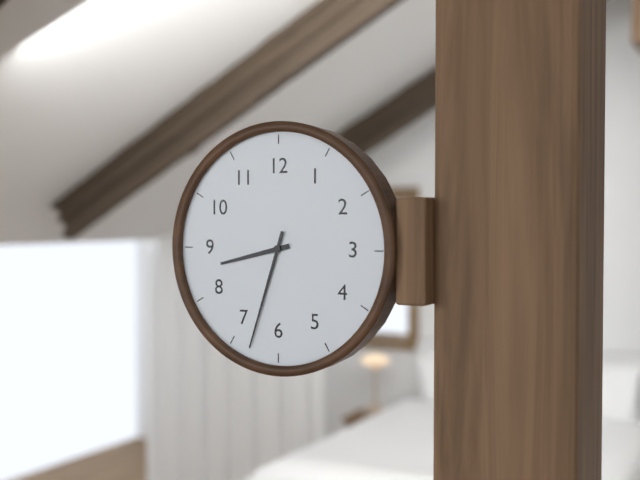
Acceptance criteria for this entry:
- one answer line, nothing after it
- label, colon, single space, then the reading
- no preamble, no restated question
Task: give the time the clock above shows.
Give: 8:33
